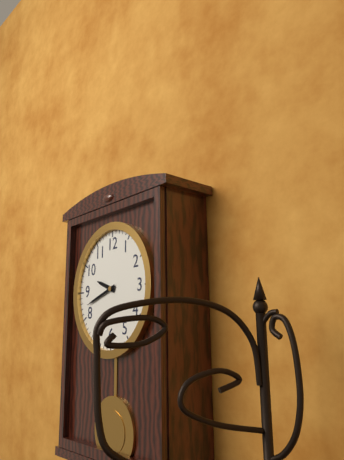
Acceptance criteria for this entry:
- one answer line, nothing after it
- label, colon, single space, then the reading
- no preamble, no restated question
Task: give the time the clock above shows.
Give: 9:42
